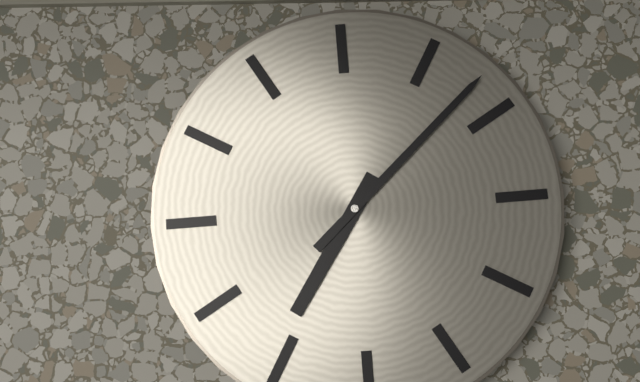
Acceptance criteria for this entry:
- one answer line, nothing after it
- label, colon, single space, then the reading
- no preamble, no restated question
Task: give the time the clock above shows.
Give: 7:08
